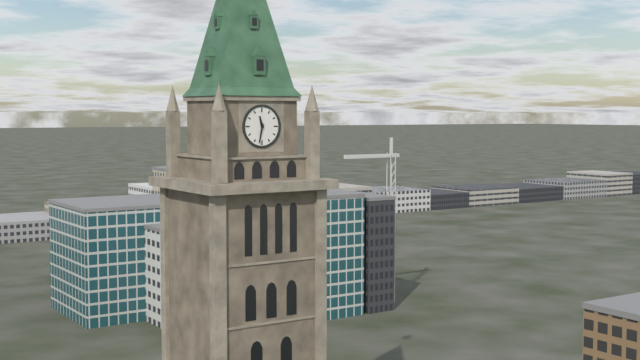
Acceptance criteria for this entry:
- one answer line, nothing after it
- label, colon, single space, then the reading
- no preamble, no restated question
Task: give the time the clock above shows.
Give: 11:32
